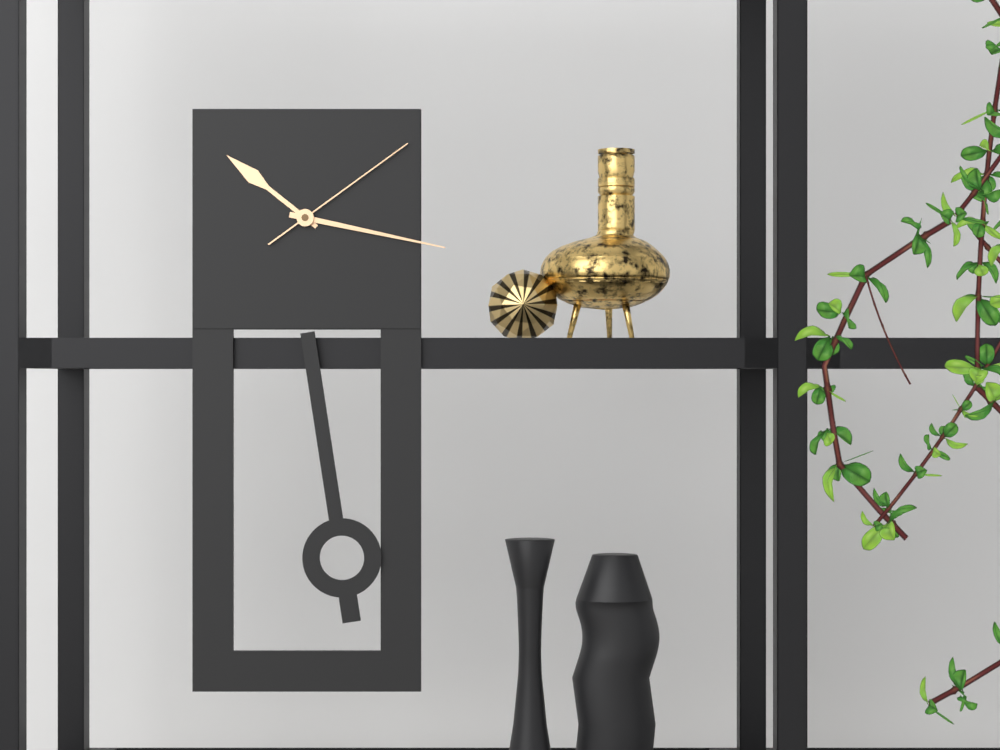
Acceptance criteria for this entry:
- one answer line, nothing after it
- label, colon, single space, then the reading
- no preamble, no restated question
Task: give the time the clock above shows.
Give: 10:17:09
